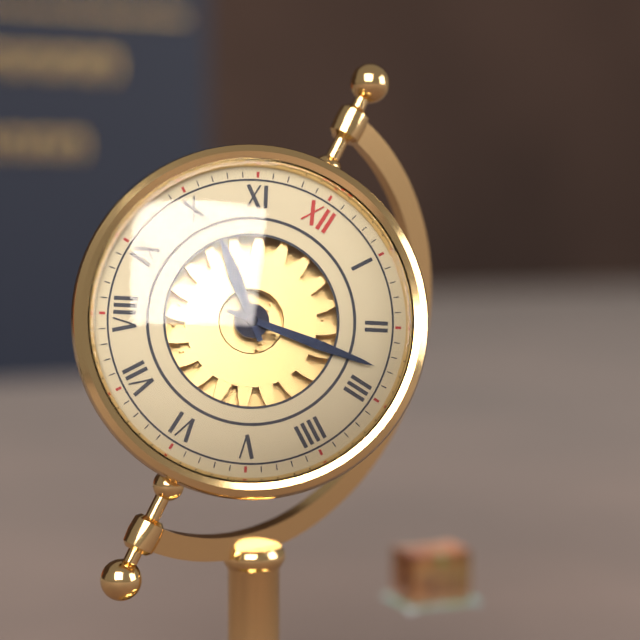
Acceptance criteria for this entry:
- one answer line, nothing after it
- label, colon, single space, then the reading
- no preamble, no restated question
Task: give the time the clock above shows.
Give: 10:13
